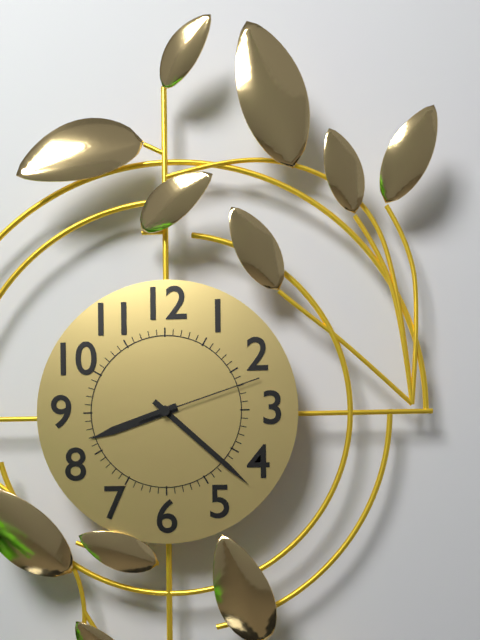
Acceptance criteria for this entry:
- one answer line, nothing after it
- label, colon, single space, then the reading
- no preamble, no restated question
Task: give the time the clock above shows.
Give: 8:22:12
